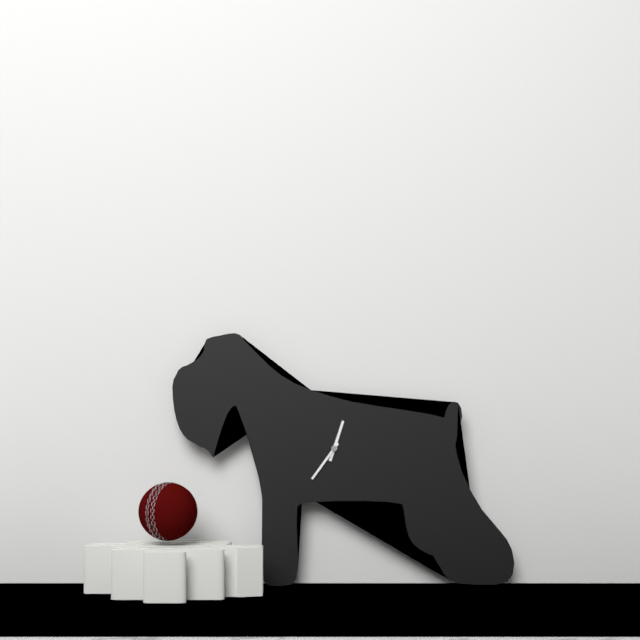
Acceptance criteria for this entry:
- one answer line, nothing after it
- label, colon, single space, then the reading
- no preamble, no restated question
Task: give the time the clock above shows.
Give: 12:36
